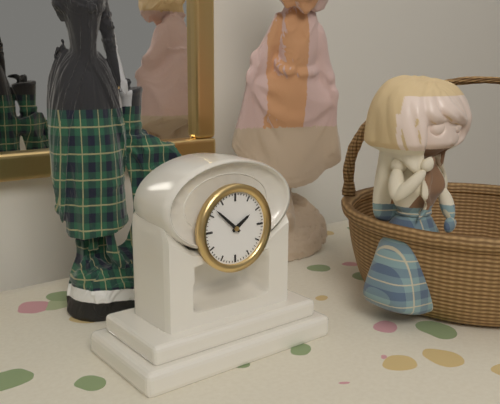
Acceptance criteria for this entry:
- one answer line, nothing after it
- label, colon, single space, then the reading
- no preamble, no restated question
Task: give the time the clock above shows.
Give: 1:52
